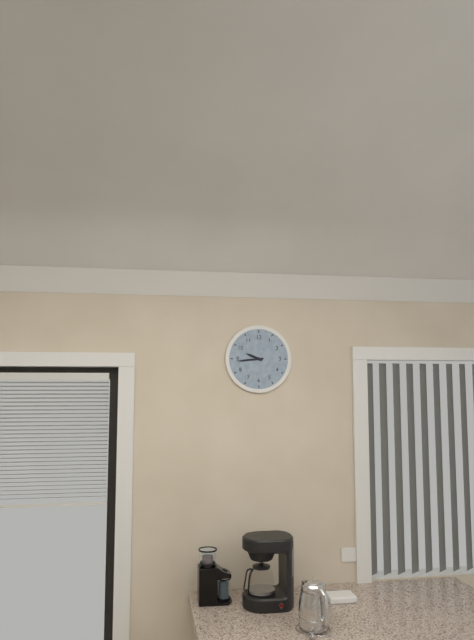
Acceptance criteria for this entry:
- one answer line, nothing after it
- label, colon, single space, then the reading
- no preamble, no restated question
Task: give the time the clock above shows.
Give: 9:44
